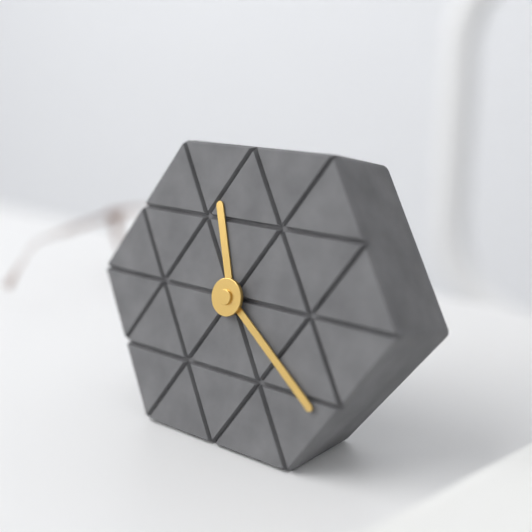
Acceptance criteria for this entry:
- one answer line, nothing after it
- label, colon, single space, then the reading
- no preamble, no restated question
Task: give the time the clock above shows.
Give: 11:21
